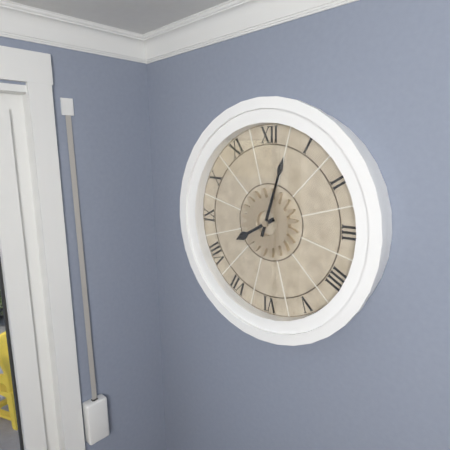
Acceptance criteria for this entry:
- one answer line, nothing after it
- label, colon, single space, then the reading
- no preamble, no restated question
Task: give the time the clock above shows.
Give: 8:03
